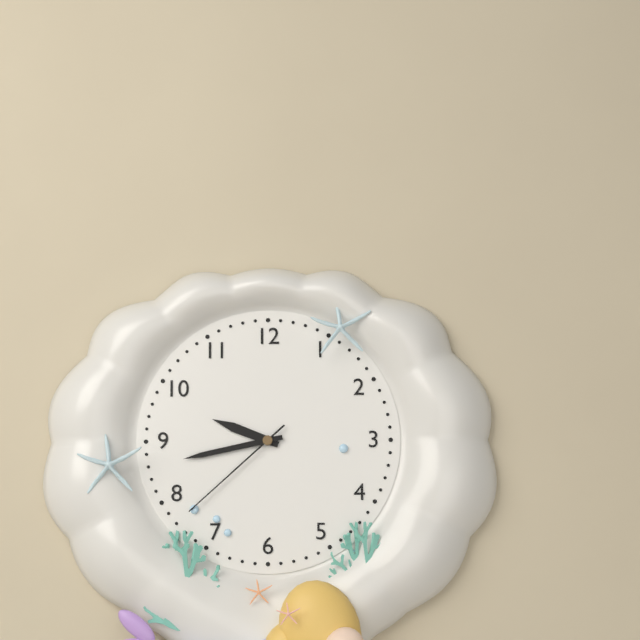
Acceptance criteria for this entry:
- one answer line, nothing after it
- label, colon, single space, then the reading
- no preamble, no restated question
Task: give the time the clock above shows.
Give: 9:43:38
